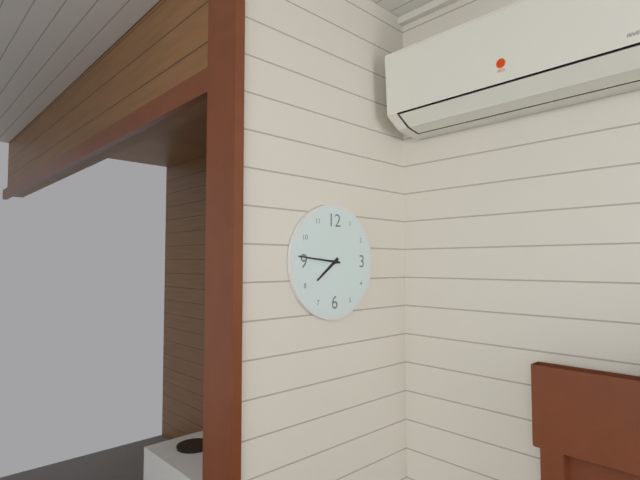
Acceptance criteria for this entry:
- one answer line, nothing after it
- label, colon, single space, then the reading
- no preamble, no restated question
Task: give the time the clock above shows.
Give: 7:46
